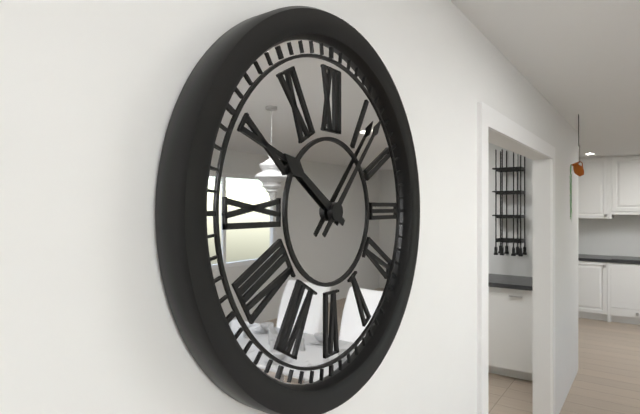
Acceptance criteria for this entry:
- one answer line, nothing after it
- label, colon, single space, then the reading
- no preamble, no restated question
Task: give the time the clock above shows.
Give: 10:07
